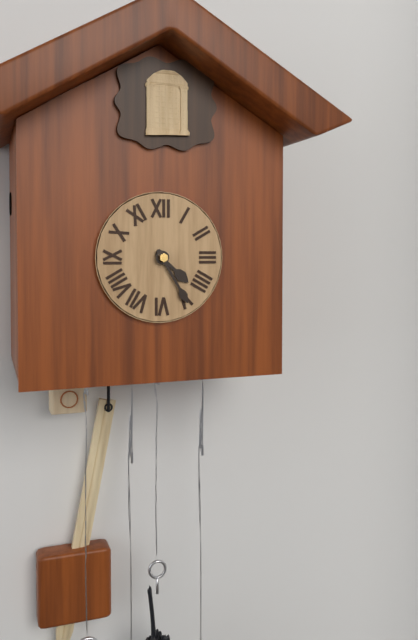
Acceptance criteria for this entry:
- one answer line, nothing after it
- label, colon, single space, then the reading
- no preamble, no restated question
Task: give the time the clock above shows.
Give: 4:25
